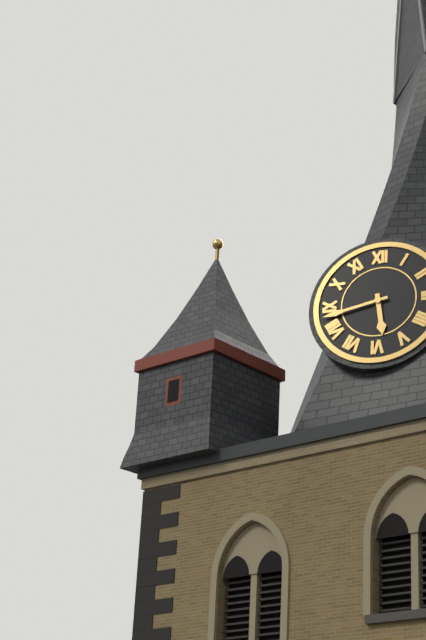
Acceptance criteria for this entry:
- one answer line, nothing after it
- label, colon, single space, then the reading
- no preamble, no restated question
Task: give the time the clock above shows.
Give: 5:43
